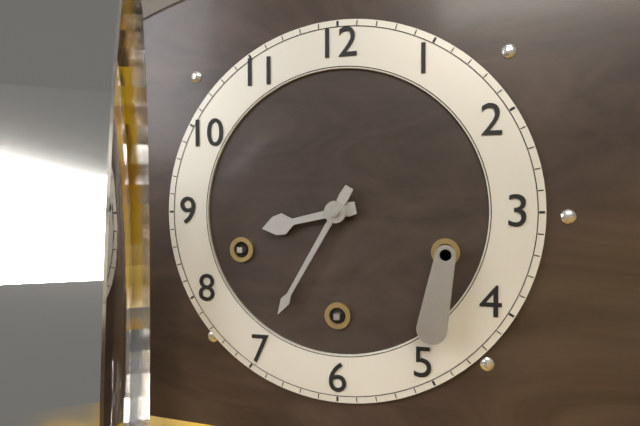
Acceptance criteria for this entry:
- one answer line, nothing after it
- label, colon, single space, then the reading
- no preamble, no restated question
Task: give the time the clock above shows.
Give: 8:35
